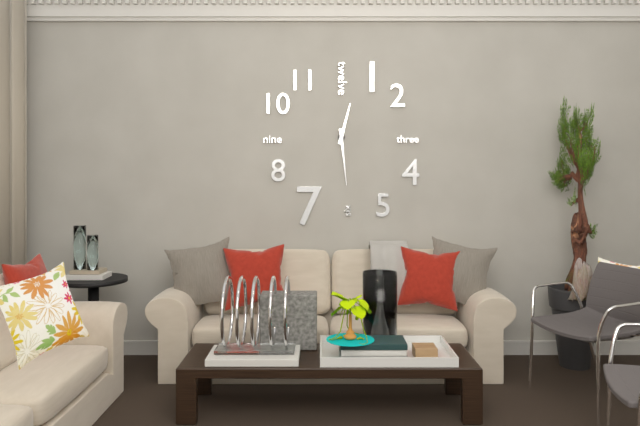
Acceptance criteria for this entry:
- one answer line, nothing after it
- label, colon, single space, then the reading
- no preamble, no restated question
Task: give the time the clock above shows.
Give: 12:29
